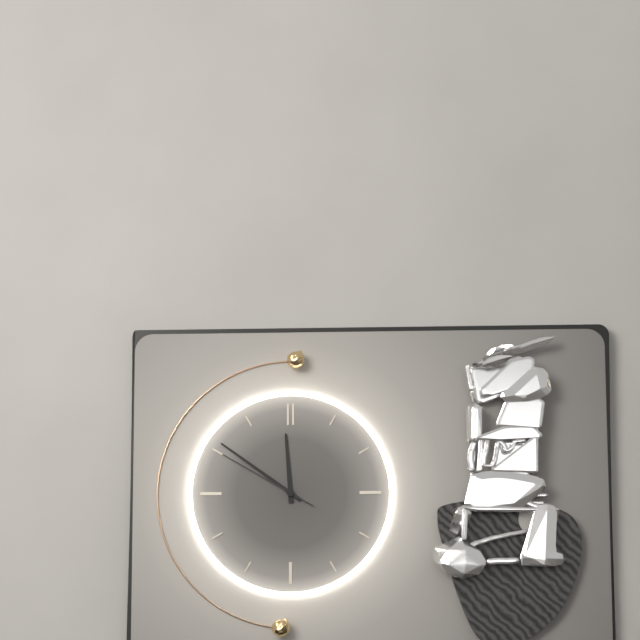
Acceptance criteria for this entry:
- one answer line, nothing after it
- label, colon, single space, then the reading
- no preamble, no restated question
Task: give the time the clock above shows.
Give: 11:51:50
